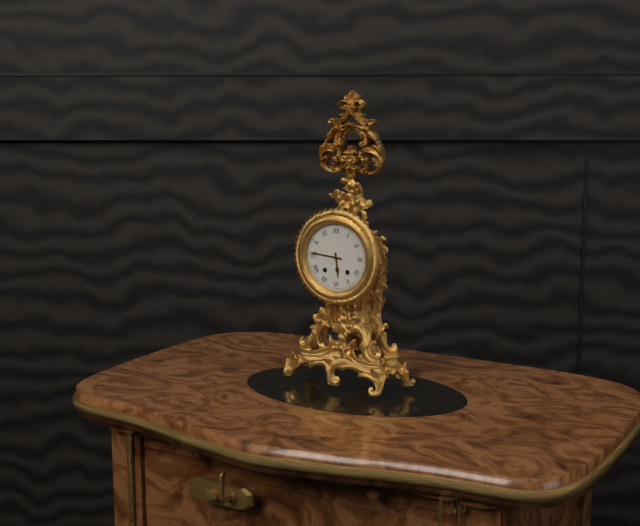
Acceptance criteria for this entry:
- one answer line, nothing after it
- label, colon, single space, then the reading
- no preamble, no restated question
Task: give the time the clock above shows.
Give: 5:46
